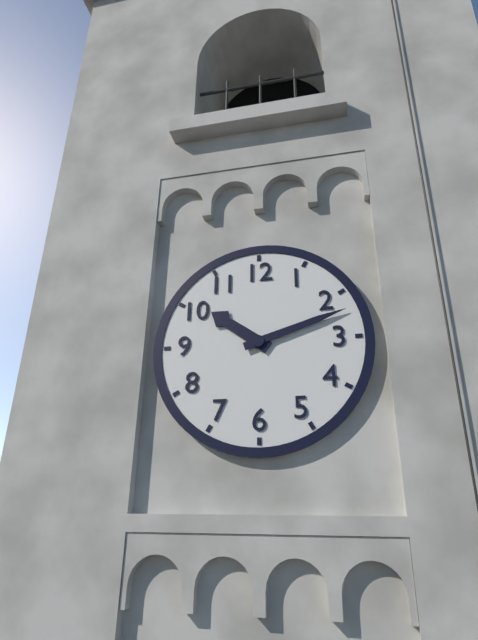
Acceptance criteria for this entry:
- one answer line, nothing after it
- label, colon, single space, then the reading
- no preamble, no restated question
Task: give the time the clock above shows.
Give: 10:12
